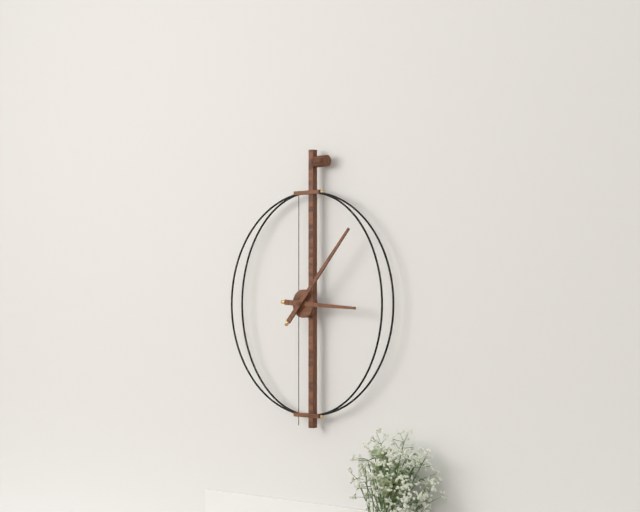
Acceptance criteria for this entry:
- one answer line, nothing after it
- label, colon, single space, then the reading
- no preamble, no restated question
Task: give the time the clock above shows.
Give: 3:07
